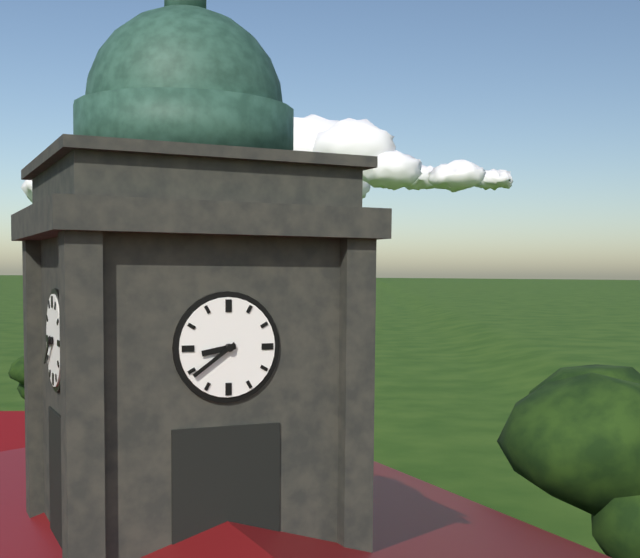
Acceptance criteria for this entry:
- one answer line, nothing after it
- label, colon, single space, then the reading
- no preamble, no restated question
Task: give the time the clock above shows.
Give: 8:39
